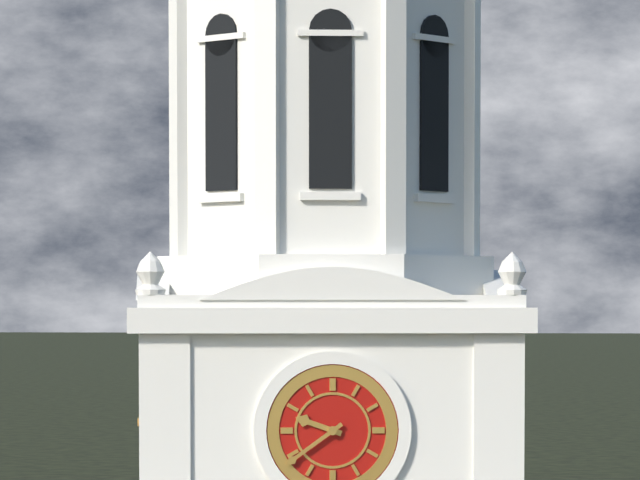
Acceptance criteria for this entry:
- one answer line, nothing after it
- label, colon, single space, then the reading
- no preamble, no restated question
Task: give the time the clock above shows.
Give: 9:39
